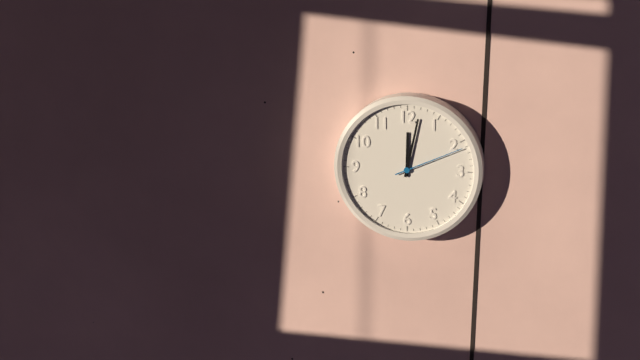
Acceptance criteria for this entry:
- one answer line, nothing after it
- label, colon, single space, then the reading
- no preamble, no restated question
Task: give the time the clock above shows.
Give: 12:02:11
